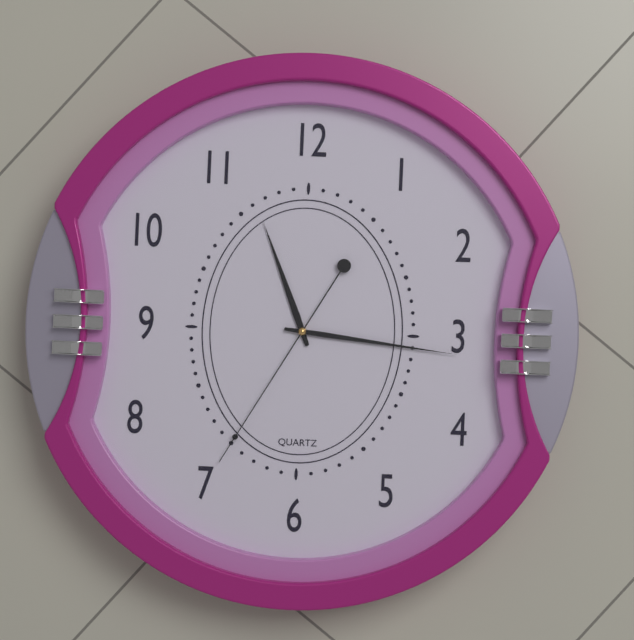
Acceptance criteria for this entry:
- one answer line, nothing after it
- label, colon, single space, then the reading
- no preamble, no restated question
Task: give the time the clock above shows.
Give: 11:16:35
